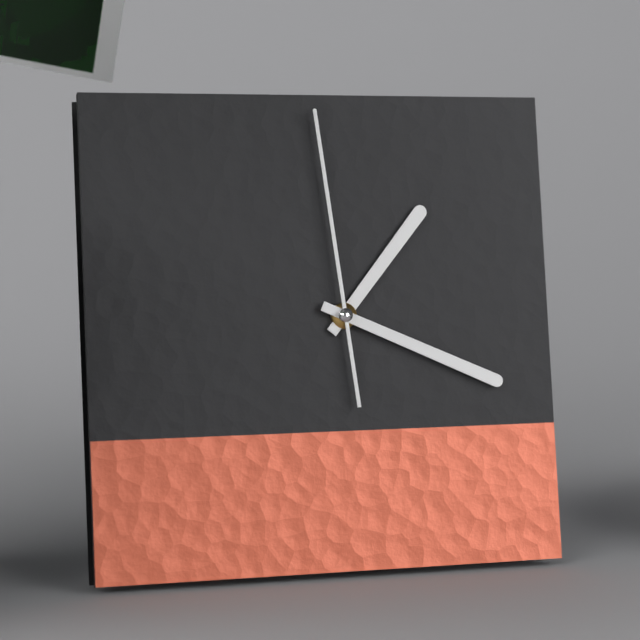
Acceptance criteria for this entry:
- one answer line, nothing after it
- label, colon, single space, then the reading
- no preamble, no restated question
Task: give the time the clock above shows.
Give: 1:19:59
